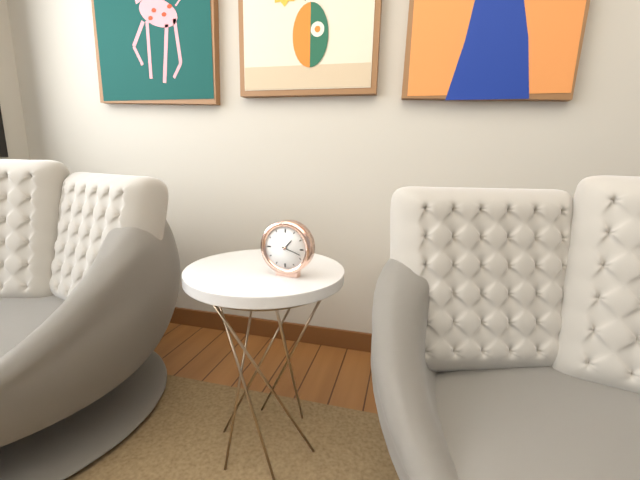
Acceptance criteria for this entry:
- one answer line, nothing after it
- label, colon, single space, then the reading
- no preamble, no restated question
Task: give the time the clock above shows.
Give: 1:18
